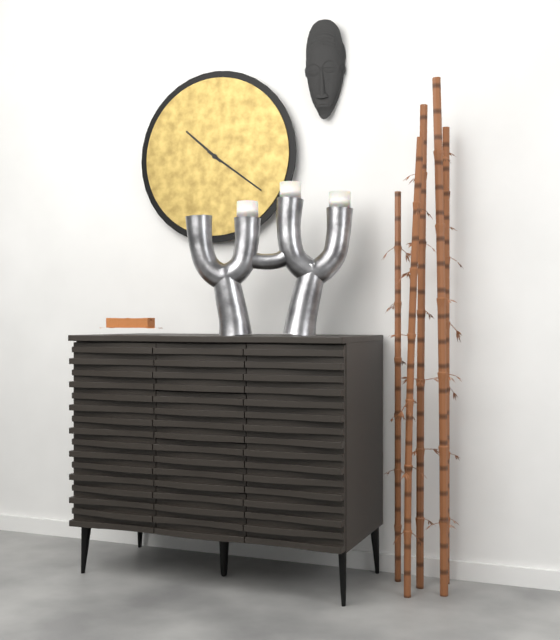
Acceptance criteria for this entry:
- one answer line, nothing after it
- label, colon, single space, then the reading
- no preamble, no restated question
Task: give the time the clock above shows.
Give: 10:21
